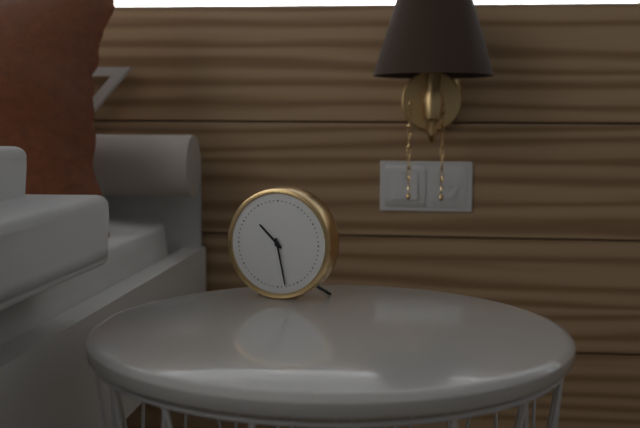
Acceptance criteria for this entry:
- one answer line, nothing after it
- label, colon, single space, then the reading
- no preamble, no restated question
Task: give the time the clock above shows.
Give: 10:28
